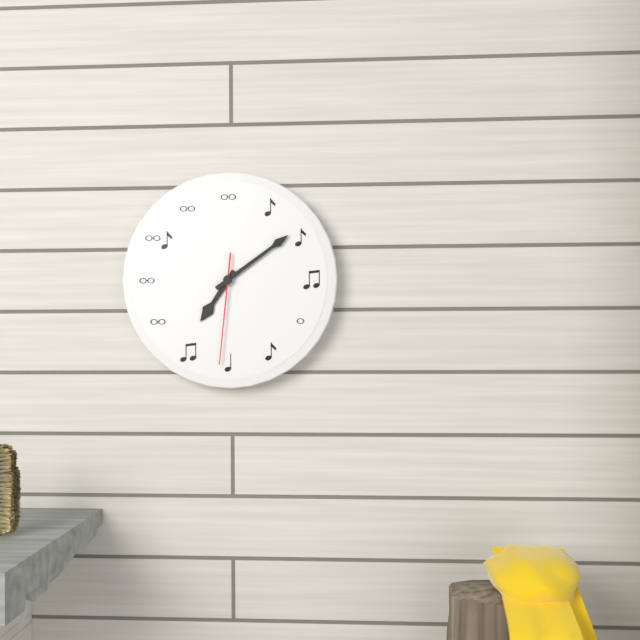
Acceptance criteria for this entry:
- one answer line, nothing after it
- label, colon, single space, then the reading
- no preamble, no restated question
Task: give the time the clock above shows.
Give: 7:09:31
